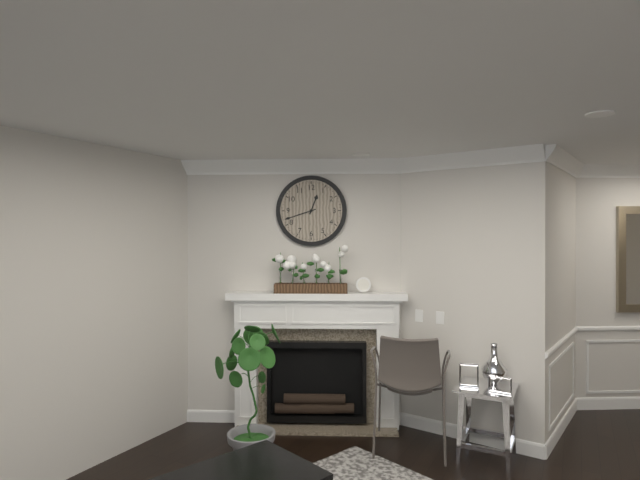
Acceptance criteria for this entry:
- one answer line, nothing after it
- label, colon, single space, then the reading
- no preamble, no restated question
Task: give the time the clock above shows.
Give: 12:42
